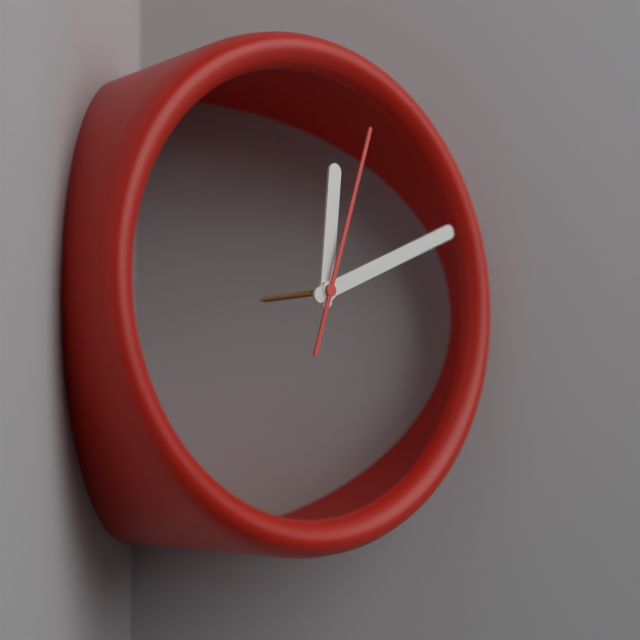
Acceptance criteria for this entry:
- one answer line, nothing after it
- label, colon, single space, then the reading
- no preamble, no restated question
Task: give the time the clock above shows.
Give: 12:11:03
